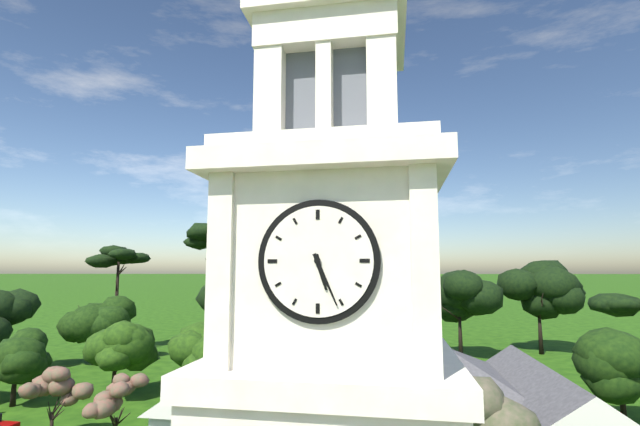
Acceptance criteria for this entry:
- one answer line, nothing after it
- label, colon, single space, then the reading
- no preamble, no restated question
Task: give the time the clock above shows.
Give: 5:26
